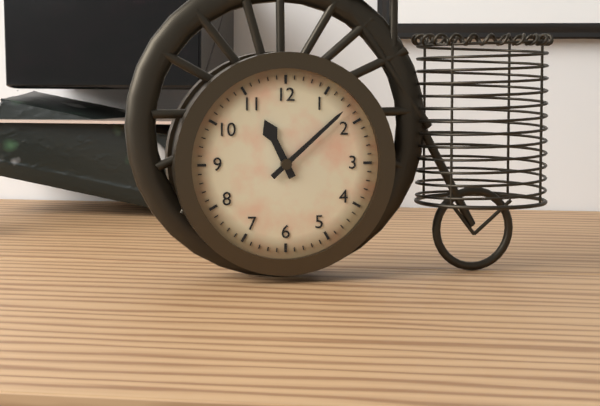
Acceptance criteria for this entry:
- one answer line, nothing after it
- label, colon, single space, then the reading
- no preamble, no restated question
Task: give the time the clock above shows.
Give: 11:08
